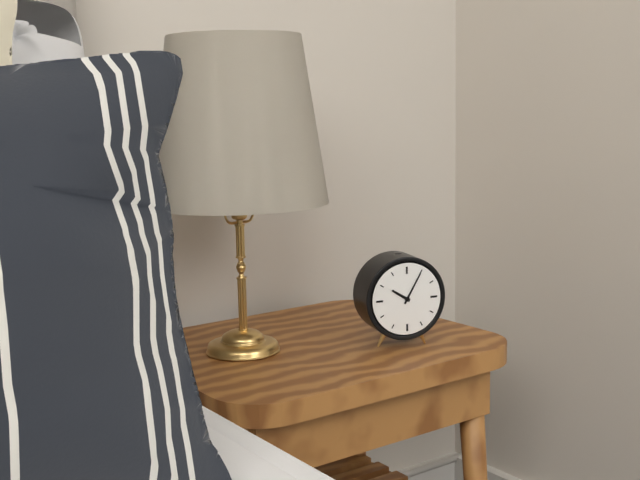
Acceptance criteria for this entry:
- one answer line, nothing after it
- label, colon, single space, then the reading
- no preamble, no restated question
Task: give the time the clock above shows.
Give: 10:05
